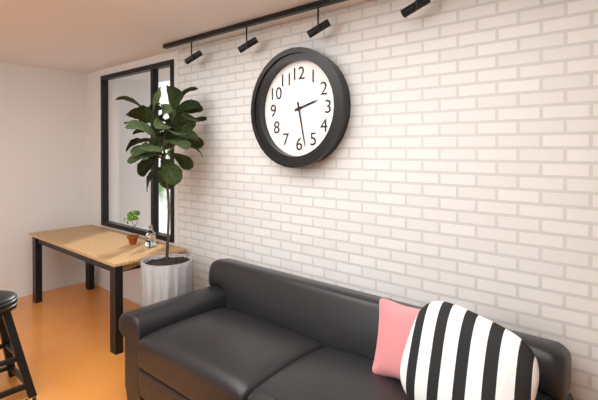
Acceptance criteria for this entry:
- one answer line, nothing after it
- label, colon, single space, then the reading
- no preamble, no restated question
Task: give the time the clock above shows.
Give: 2:28
